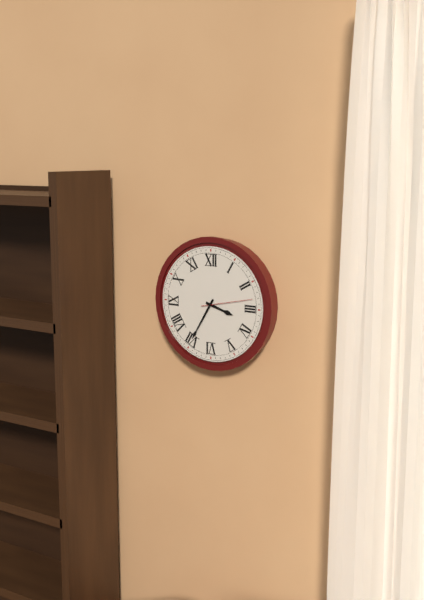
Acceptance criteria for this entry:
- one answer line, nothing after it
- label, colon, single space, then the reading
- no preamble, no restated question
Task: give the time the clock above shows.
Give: 3:35:13
